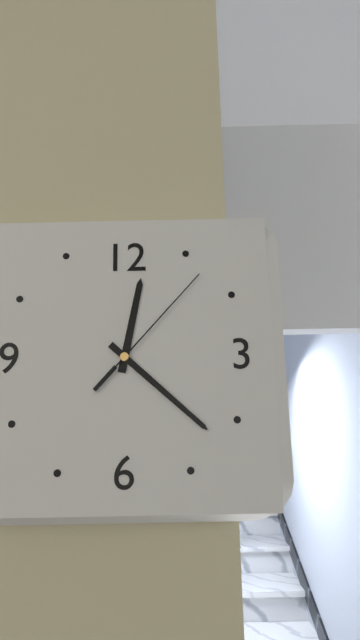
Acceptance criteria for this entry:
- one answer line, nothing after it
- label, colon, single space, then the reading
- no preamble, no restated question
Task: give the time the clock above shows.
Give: 12:22:07
